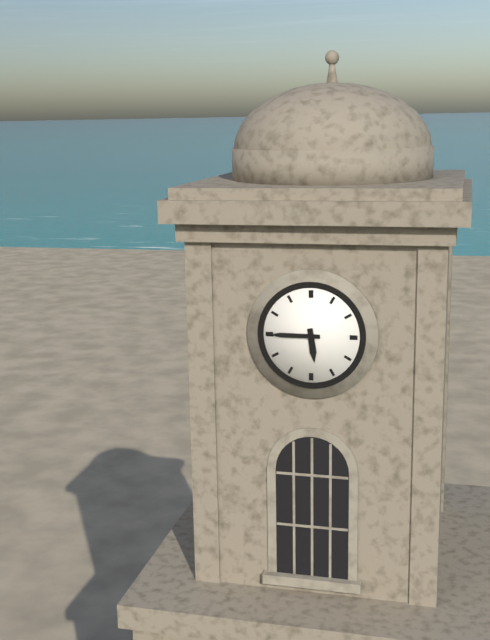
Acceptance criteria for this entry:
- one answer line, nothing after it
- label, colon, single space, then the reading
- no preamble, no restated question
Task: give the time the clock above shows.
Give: 5:45
